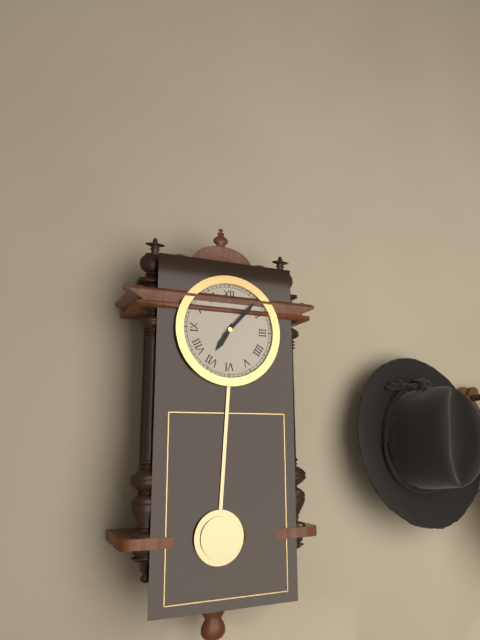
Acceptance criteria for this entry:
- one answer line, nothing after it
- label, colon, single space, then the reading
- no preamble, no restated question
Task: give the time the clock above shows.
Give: 7:07
